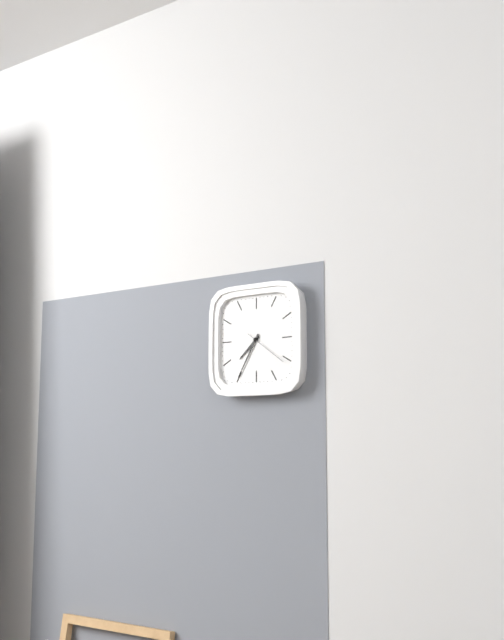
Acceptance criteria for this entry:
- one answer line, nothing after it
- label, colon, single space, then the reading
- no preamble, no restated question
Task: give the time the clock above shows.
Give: 7:35
